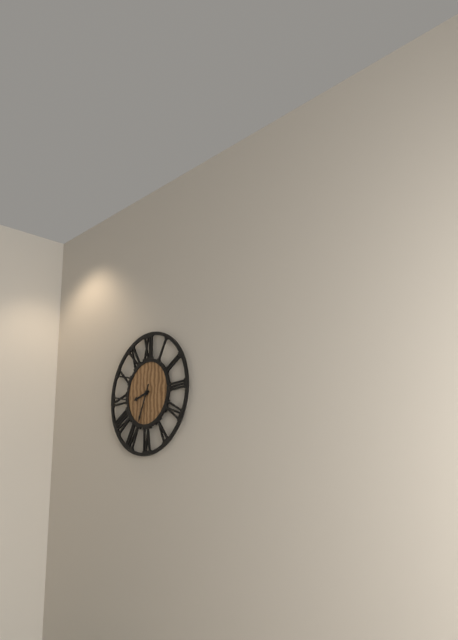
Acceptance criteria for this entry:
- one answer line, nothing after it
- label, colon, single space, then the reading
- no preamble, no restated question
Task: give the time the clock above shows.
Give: 8:34
